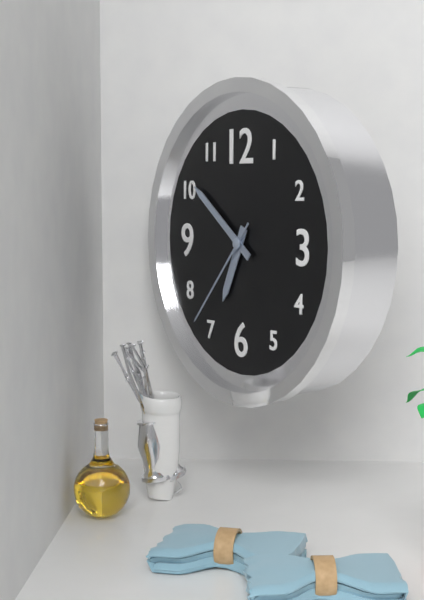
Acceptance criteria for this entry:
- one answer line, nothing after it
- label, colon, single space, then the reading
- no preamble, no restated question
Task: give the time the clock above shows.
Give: 6:51:37
